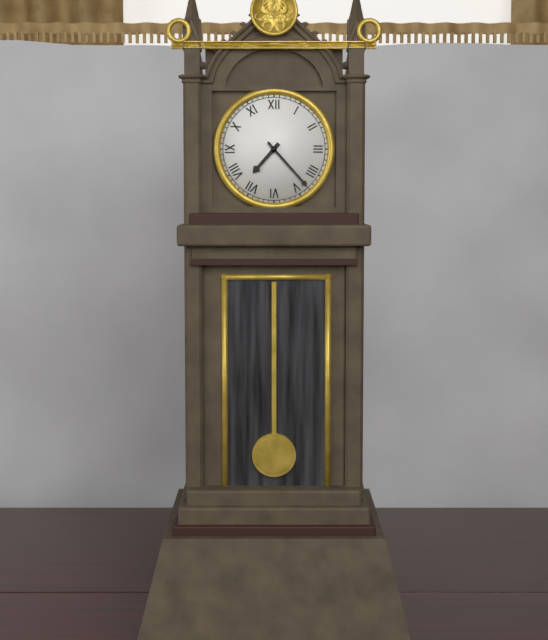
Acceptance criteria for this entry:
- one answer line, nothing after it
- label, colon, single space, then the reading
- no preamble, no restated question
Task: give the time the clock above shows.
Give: 7:23
